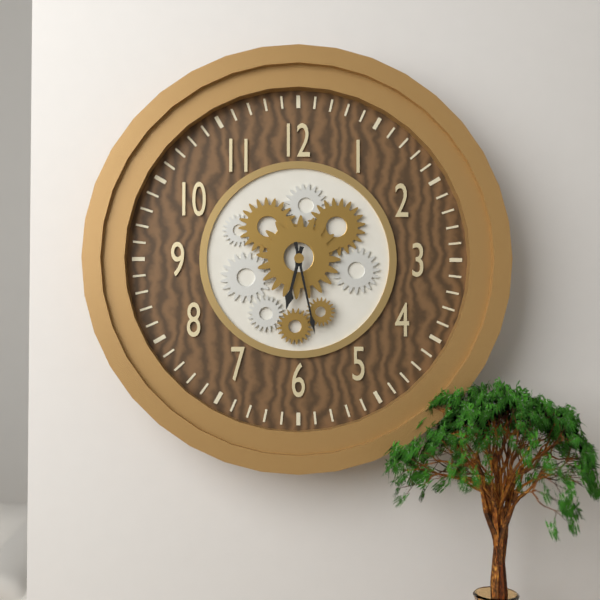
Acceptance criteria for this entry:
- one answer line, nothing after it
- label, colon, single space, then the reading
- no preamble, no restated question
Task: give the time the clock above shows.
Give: 6:28
